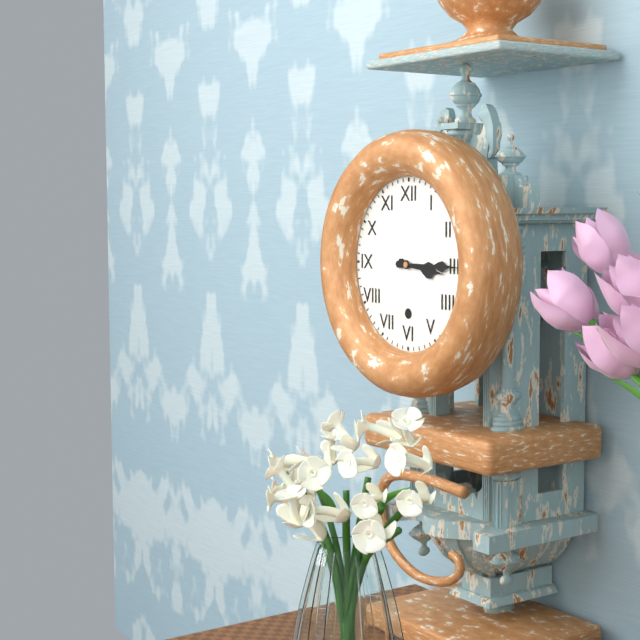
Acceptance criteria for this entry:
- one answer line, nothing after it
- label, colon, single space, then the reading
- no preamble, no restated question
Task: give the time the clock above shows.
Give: 3:15
